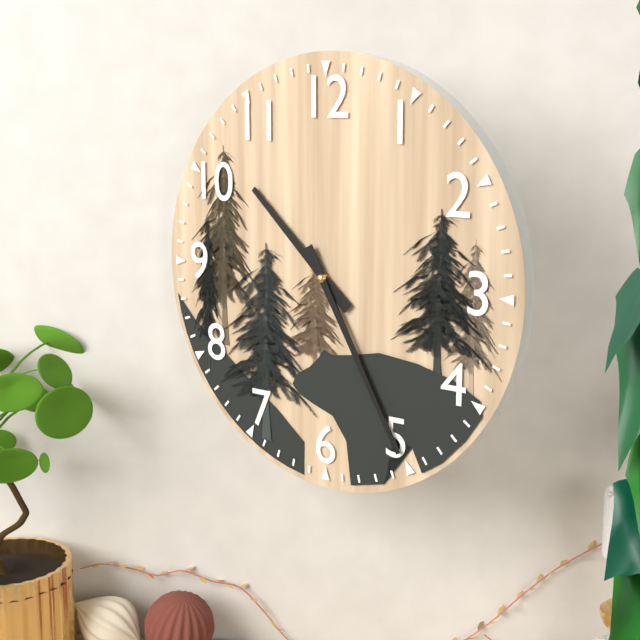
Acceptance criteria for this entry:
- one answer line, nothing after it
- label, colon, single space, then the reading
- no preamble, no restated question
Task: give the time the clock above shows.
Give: 10:25
